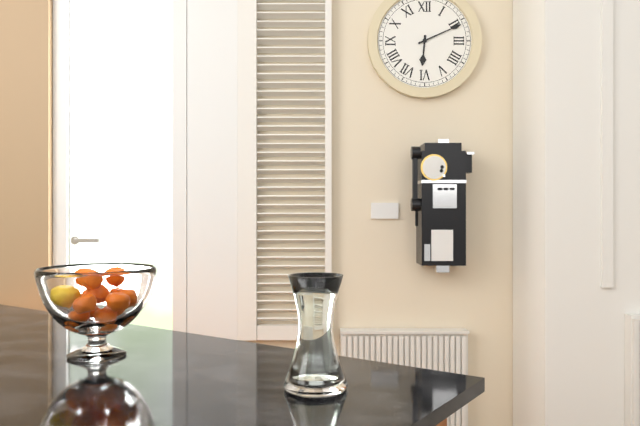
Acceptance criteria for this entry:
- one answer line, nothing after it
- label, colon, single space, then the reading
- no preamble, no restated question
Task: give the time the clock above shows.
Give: 6:11
